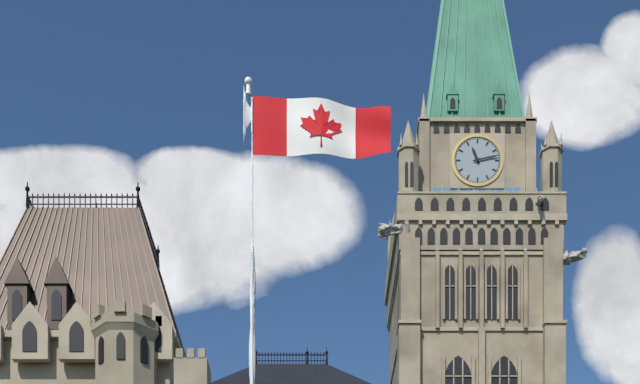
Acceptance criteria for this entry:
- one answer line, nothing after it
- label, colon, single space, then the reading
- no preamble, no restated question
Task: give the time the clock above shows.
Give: 11:13
